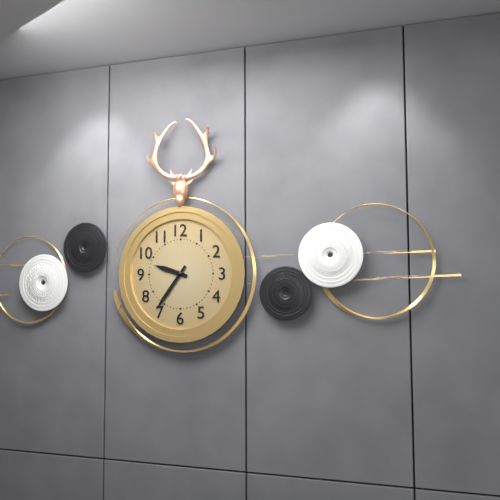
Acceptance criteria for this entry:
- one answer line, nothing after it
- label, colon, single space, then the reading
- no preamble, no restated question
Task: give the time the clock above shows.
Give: 9:36
